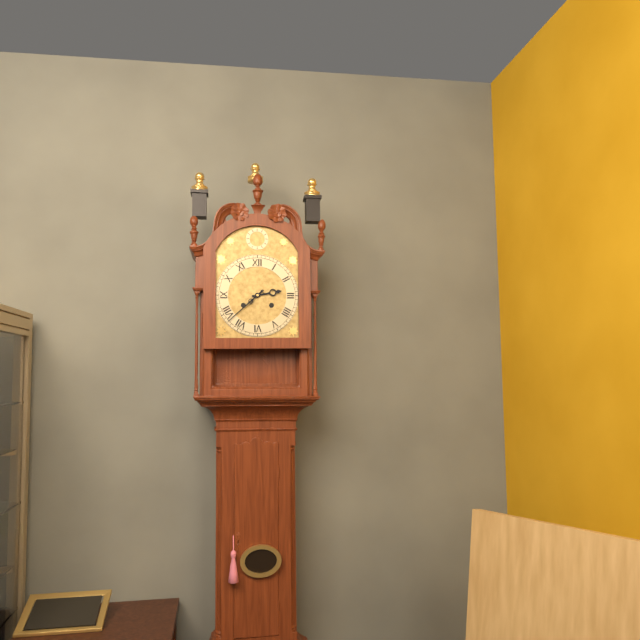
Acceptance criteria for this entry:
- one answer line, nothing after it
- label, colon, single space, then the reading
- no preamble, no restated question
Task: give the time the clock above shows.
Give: 2:38
